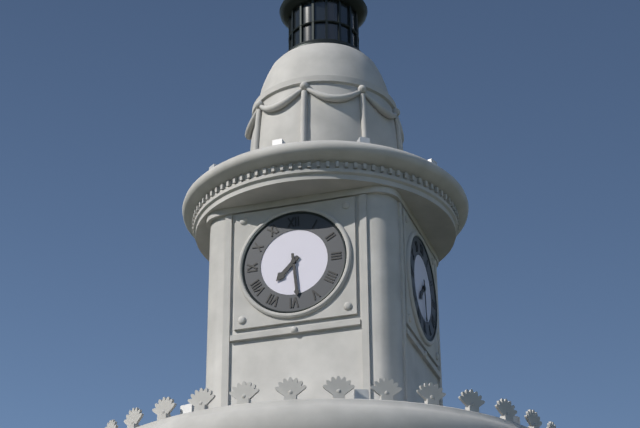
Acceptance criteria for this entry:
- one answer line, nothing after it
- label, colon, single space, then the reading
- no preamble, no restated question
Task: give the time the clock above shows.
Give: 7:29
